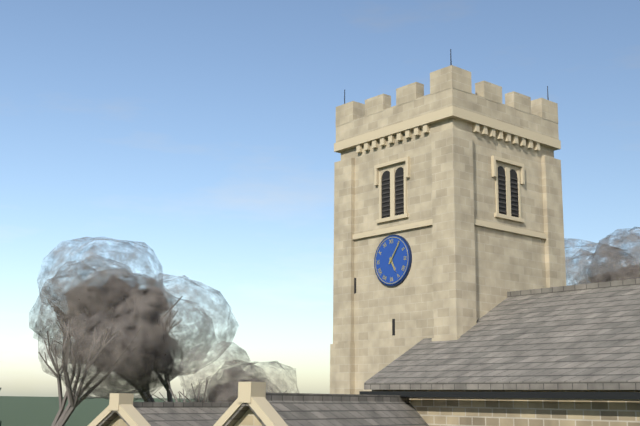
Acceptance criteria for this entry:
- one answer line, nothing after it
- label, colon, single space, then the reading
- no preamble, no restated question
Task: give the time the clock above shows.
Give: 5:06
